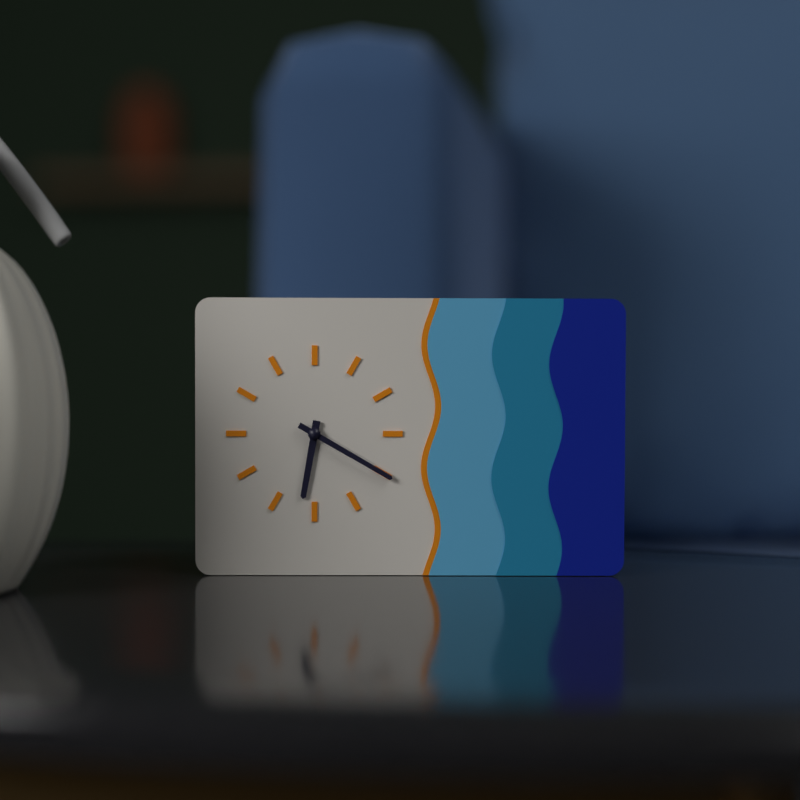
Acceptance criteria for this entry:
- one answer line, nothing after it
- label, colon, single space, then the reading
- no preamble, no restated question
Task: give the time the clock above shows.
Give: 6:20
